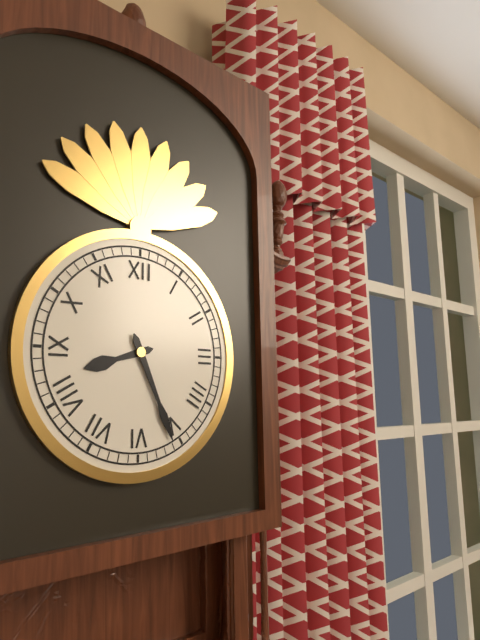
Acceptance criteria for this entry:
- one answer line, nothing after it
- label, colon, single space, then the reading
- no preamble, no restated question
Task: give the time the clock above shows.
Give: 8:26
